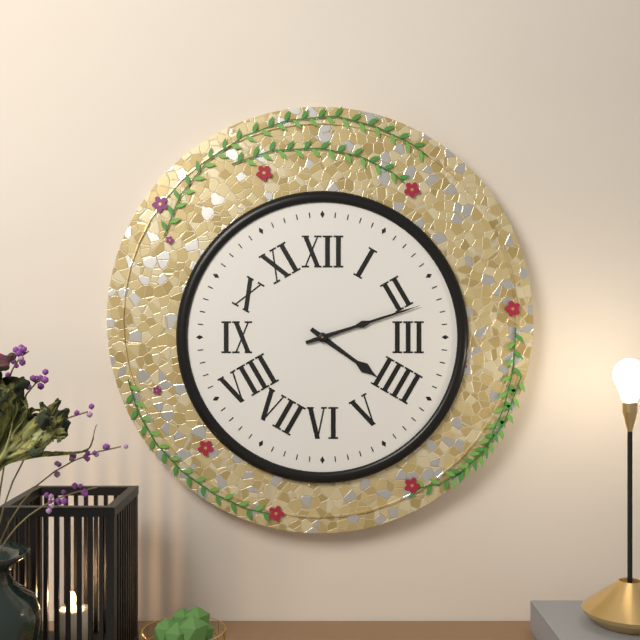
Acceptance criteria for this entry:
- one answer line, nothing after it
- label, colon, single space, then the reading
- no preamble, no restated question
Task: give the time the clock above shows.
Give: 4:12
